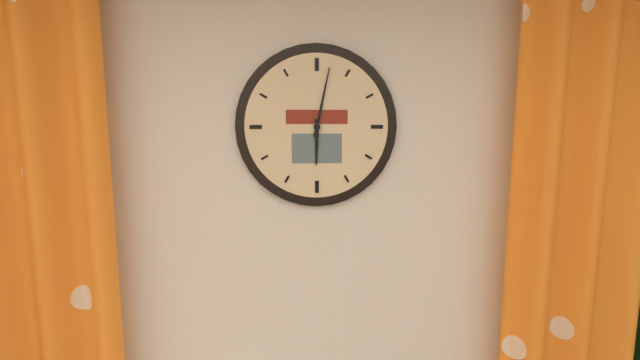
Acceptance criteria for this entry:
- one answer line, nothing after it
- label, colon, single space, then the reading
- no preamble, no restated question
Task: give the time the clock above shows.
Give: 6:02
